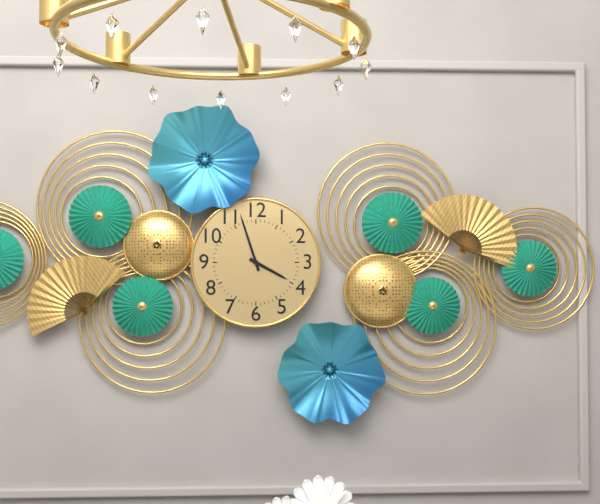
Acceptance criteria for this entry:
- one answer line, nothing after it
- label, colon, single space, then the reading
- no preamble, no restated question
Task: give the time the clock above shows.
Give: 3:57
